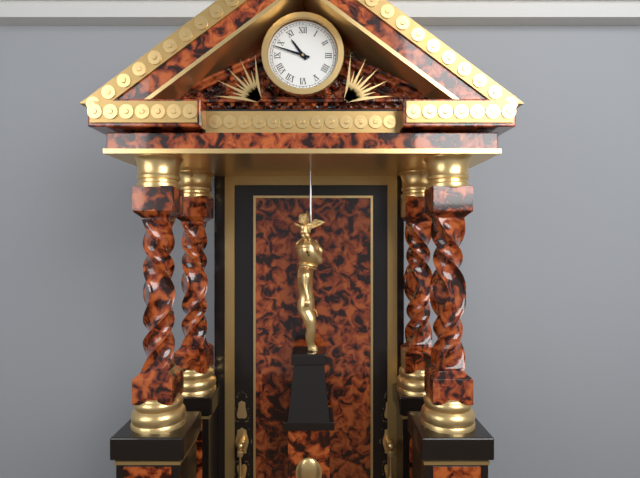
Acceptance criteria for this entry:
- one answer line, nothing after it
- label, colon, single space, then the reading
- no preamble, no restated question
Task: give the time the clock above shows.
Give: 10:48
